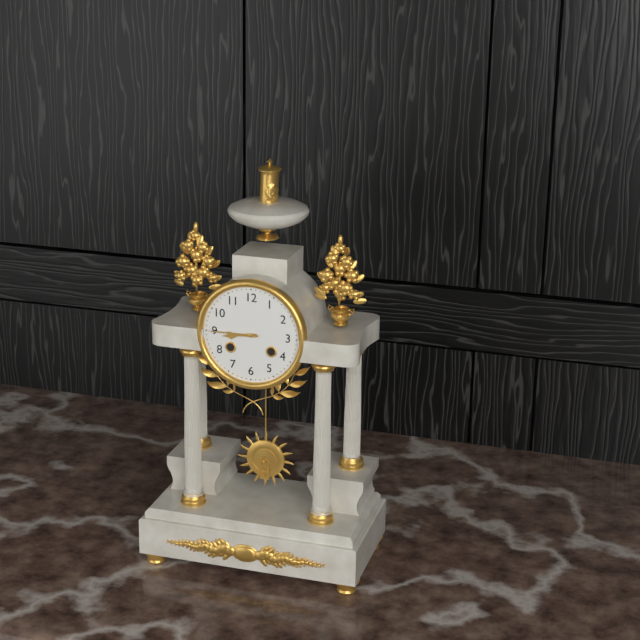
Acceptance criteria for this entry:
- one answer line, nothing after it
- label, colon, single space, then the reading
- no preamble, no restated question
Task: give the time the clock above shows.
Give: 8:45
